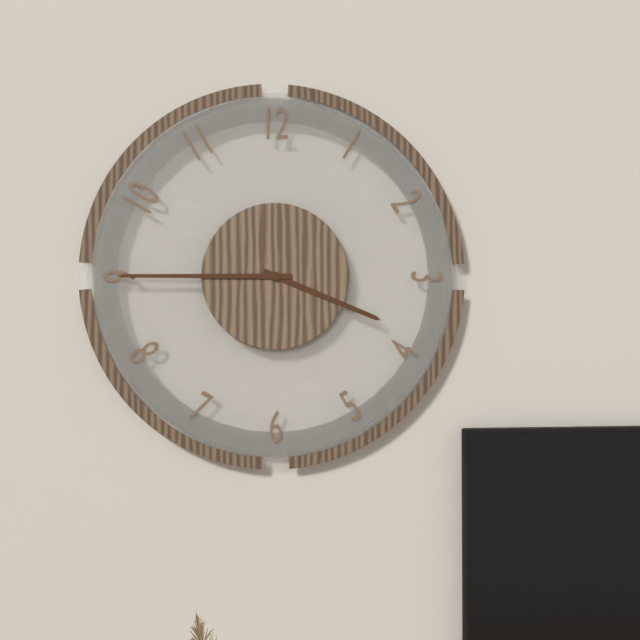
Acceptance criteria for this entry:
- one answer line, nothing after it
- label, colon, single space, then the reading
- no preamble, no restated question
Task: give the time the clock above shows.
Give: 3:45
